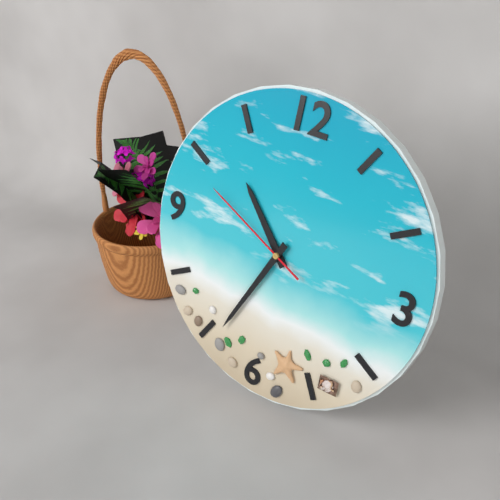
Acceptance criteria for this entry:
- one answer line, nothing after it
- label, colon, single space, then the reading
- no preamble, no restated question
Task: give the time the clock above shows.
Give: 10:34:49
